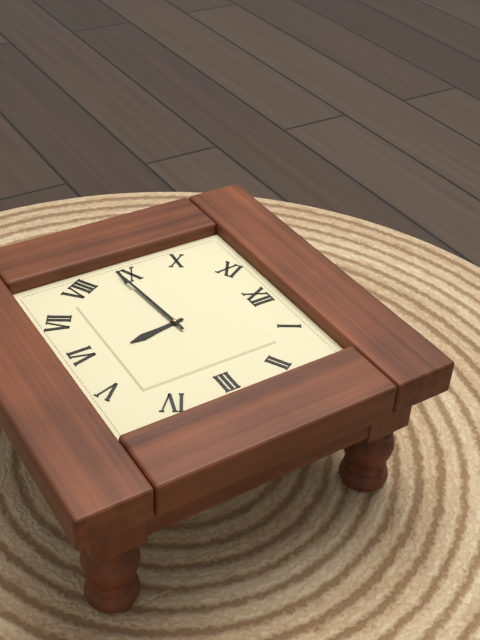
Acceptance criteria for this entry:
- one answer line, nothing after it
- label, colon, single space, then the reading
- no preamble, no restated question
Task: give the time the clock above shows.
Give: 5:44
